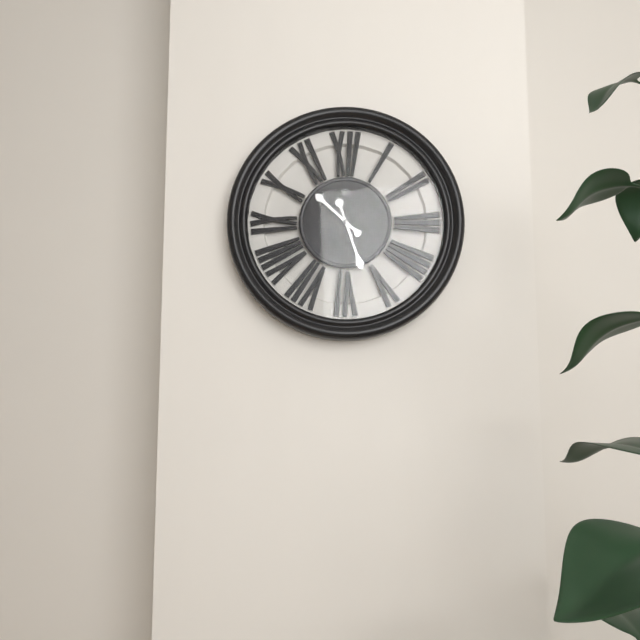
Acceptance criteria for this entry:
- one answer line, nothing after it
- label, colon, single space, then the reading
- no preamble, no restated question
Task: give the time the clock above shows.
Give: 10:27
